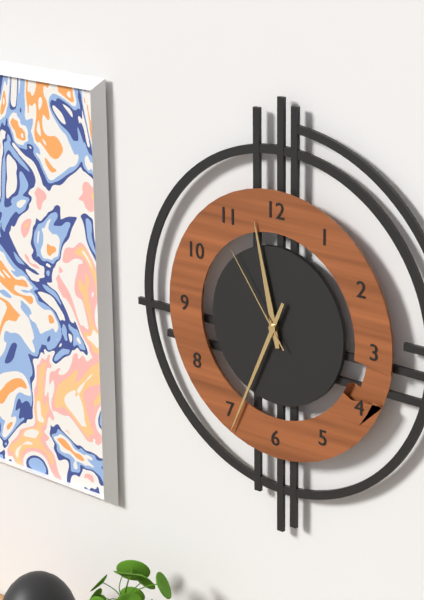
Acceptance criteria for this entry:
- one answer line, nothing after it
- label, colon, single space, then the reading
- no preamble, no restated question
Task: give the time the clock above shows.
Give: 11:34:54
